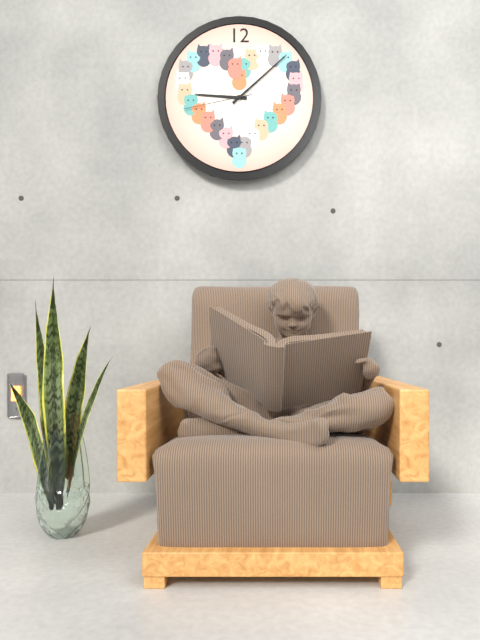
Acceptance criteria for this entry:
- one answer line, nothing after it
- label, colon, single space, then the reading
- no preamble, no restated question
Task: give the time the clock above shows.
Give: 9:08:43
